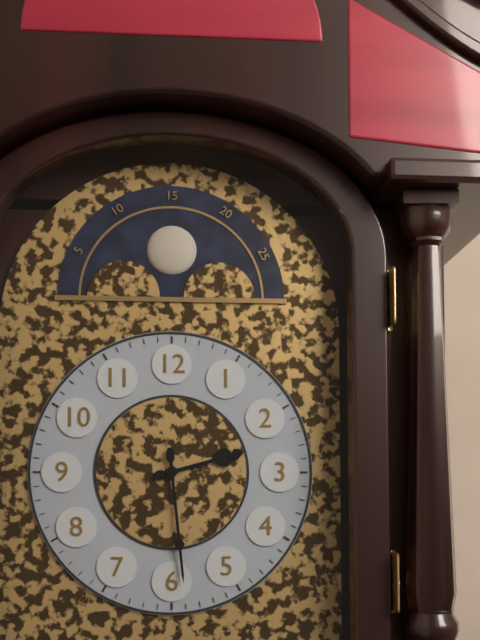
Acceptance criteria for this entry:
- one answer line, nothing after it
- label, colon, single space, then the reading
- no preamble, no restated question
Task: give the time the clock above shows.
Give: 2:29
